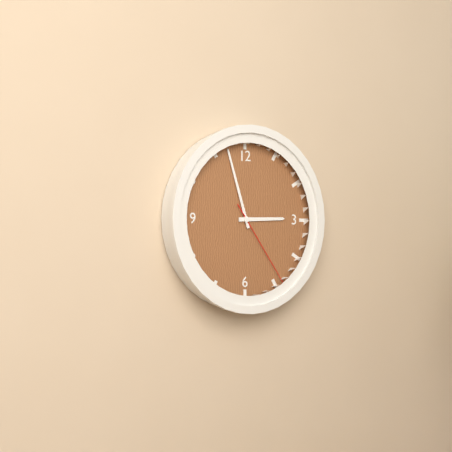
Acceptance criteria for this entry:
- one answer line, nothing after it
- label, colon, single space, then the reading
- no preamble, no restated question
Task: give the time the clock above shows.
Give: 2:57:24
